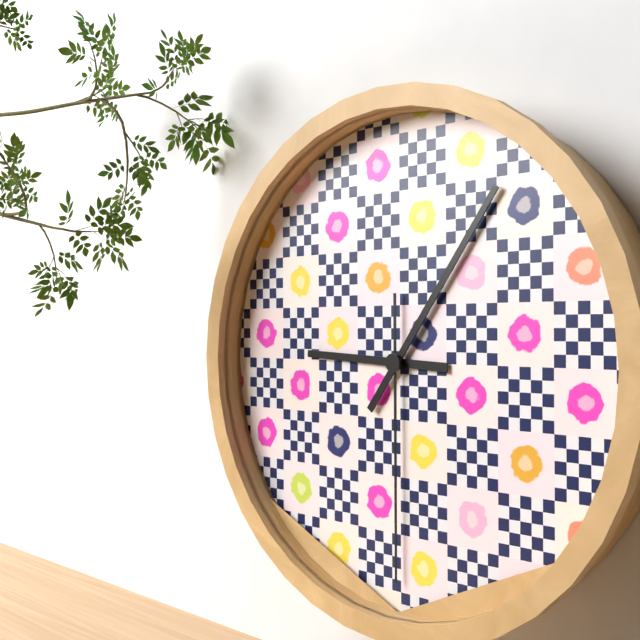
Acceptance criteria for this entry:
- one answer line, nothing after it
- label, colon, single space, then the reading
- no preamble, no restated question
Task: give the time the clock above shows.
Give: 9:06:30
